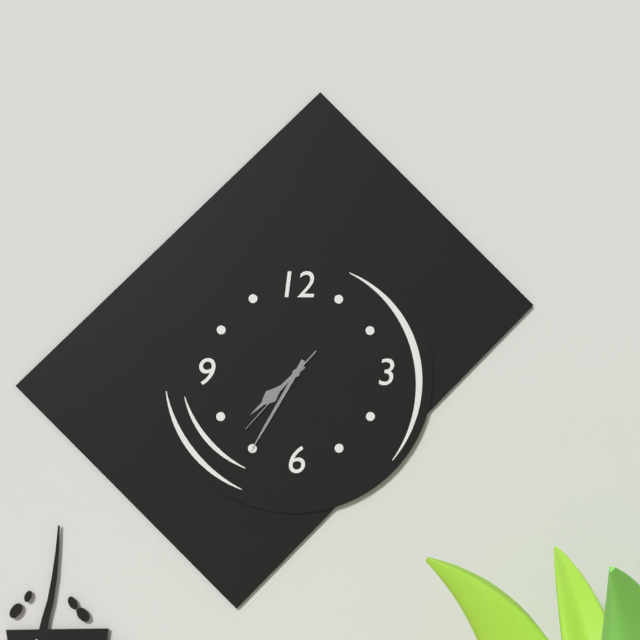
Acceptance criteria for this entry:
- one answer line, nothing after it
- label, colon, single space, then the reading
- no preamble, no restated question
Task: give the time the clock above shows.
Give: 7:35:37
